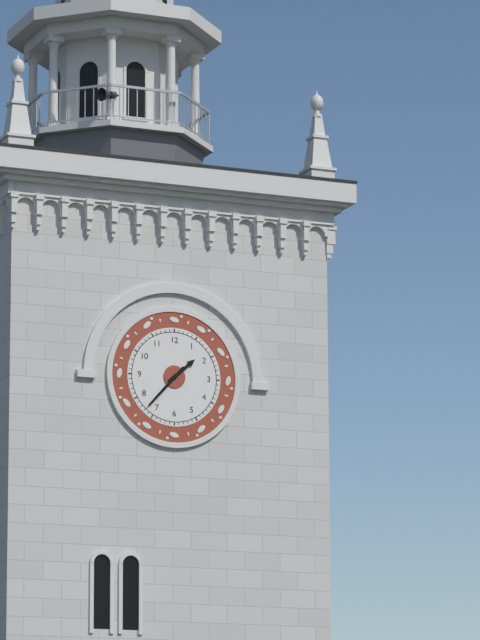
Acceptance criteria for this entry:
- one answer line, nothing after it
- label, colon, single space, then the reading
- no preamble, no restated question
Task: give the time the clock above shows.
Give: 1:37
